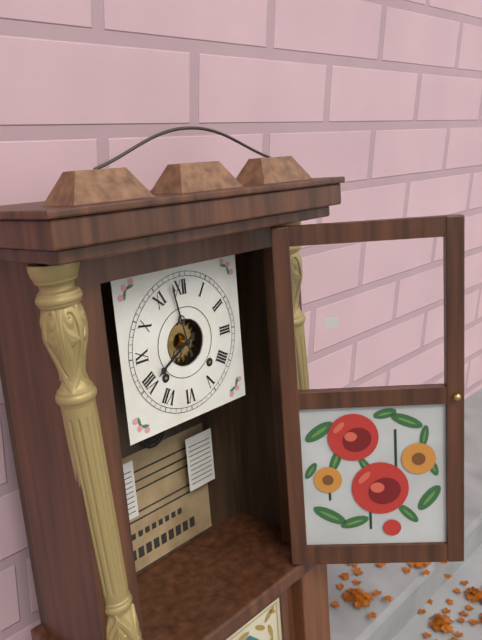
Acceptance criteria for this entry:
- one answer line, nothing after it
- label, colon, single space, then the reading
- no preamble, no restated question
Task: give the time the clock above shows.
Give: 7:58
